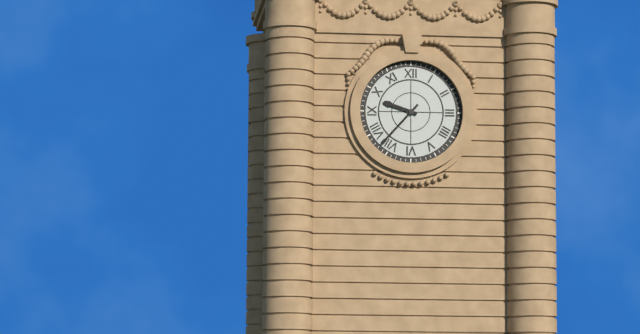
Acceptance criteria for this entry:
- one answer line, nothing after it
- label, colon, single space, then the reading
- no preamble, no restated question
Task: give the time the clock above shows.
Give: 9:37
